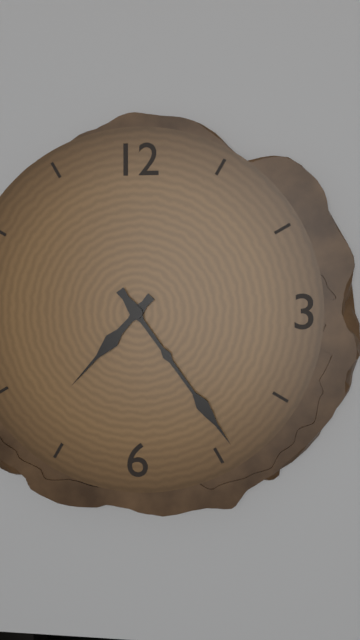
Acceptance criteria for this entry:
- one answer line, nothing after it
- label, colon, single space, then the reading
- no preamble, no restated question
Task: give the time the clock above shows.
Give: 7:24
